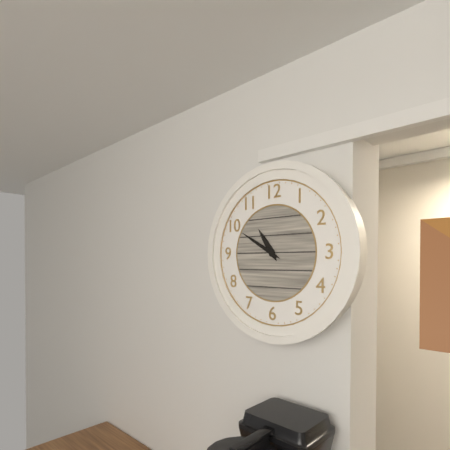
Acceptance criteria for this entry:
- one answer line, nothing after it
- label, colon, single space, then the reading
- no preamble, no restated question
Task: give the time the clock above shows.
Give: 10:50
